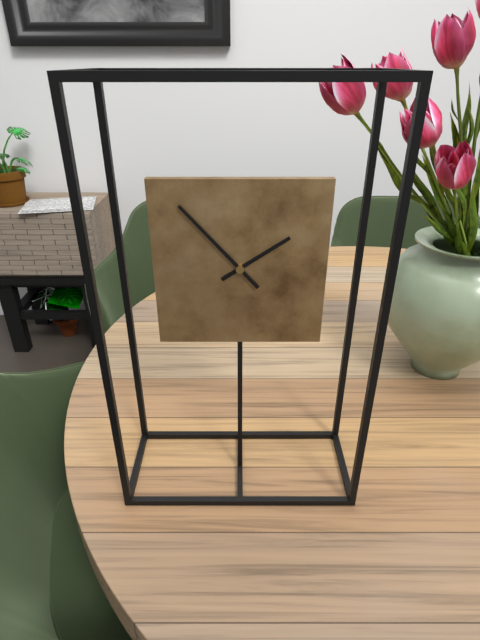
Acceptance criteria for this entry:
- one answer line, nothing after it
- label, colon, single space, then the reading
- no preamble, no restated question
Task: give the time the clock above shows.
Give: 1:53
